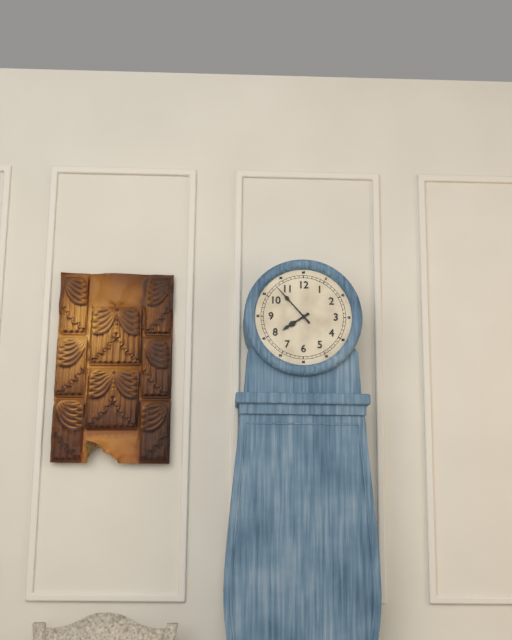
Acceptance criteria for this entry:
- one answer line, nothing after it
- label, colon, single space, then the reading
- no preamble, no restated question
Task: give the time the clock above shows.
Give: 7:53
